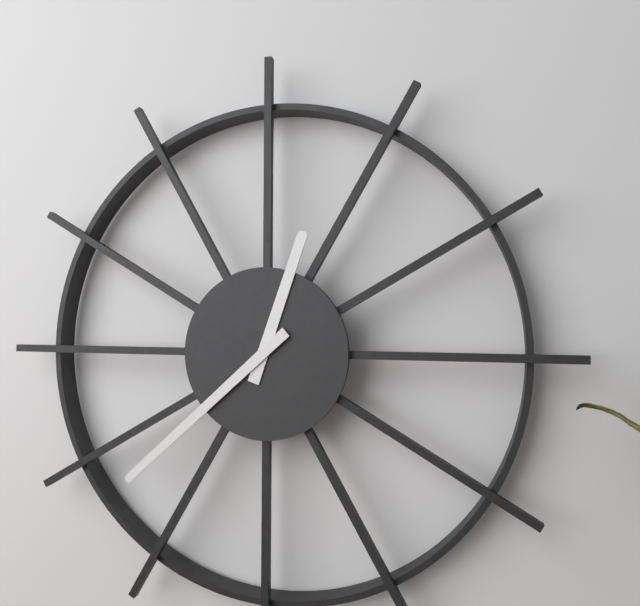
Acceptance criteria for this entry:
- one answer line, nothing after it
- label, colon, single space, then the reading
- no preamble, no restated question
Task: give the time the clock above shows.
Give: 12:38
